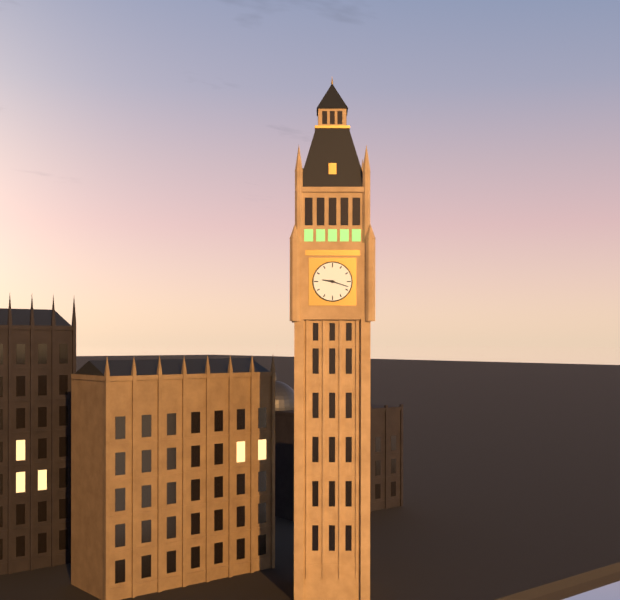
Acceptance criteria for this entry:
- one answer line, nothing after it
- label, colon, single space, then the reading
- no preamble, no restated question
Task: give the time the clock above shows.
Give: 9:18
